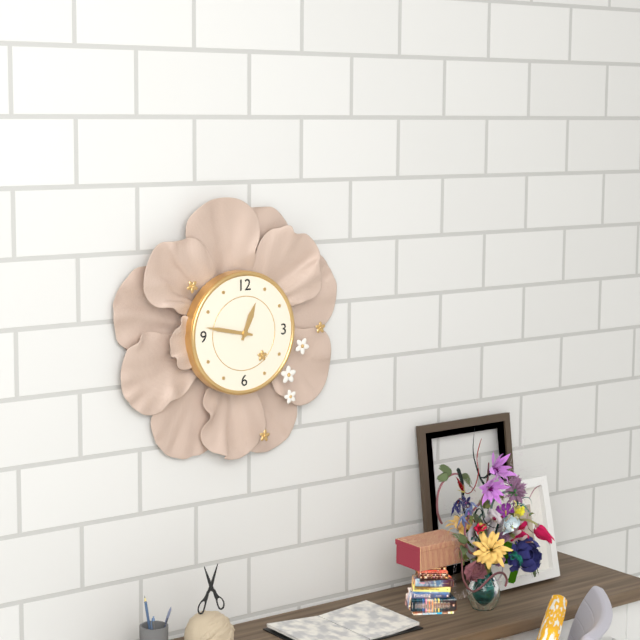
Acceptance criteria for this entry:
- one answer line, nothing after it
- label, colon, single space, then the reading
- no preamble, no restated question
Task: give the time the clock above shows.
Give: 12:47
